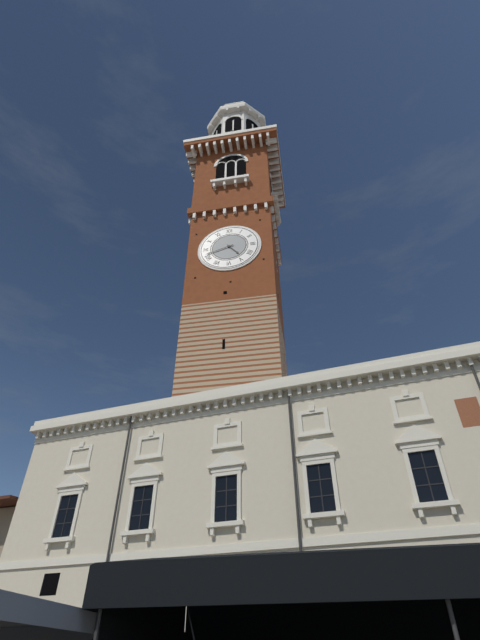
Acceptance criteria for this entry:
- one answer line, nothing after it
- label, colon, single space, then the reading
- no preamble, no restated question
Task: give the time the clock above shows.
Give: 4:42
